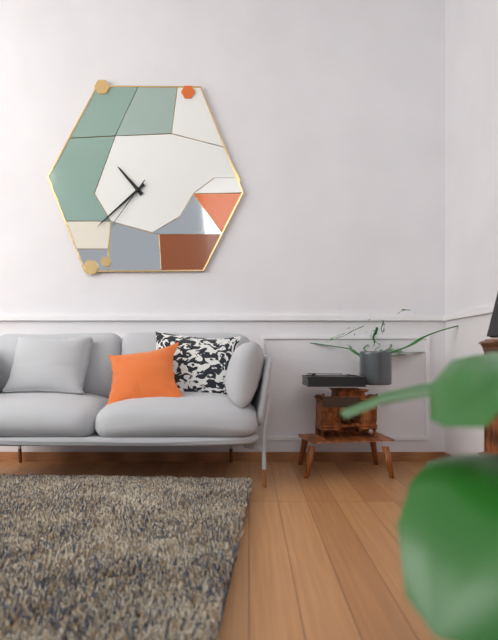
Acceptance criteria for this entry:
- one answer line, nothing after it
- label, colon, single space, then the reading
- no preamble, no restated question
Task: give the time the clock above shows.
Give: 10:38:36
